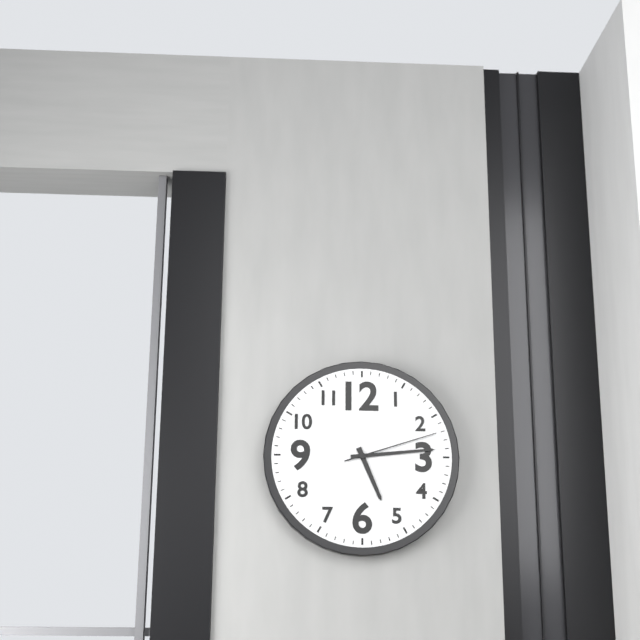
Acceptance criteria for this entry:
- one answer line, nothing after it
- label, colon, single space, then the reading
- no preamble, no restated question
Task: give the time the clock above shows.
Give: 5:14:12
